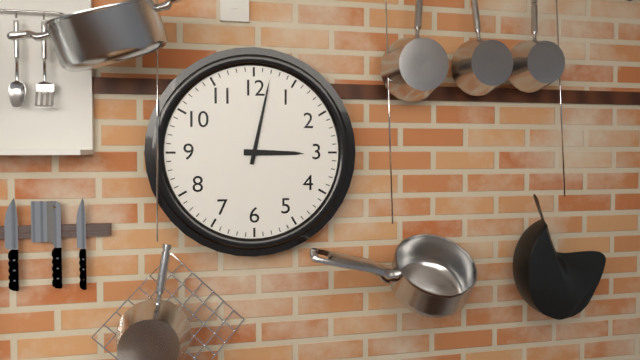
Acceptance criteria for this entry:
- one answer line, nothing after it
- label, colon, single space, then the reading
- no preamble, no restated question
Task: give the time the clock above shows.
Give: 3:02
